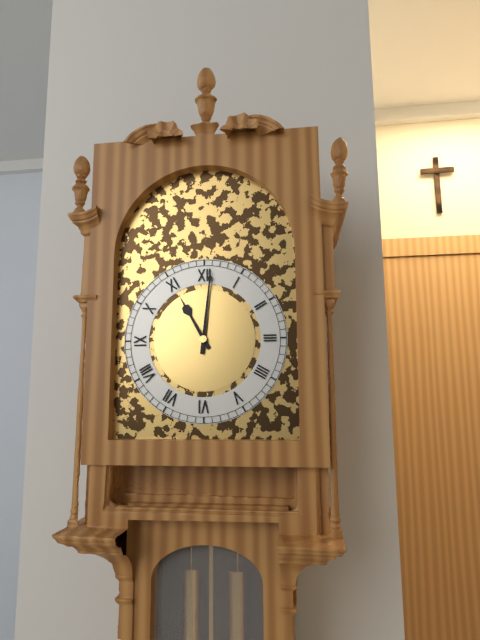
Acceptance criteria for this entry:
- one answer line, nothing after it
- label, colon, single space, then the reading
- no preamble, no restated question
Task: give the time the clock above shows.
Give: 11:01
